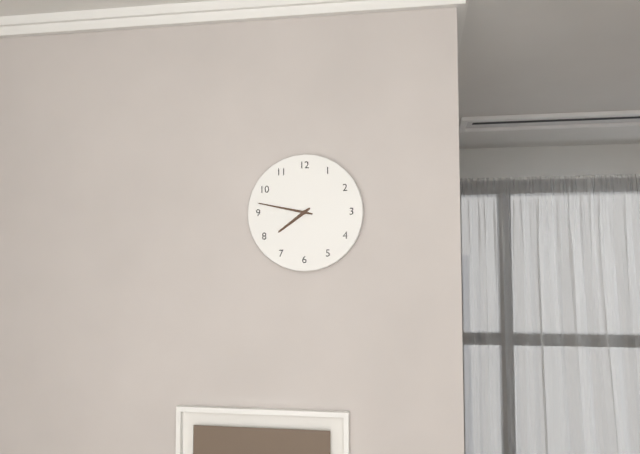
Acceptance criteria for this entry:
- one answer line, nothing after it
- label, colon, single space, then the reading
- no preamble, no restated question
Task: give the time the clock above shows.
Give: 7:47
